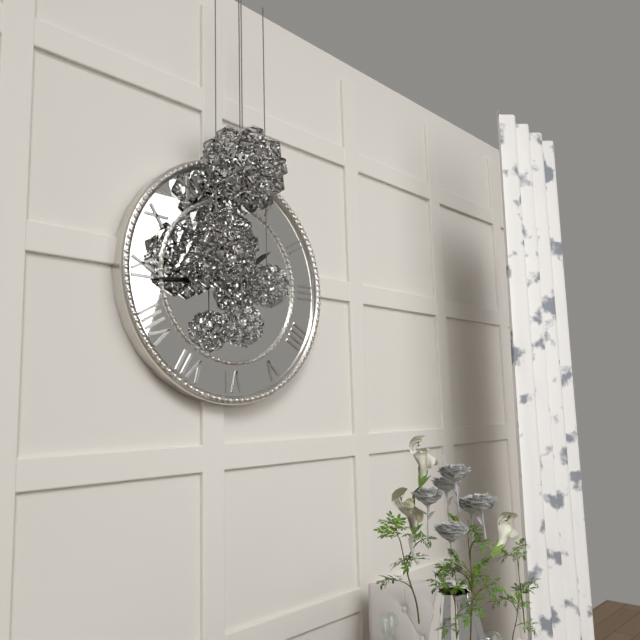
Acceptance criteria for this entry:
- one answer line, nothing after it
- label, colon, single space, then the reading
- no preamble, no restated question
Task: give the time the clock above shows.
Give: 1:44
